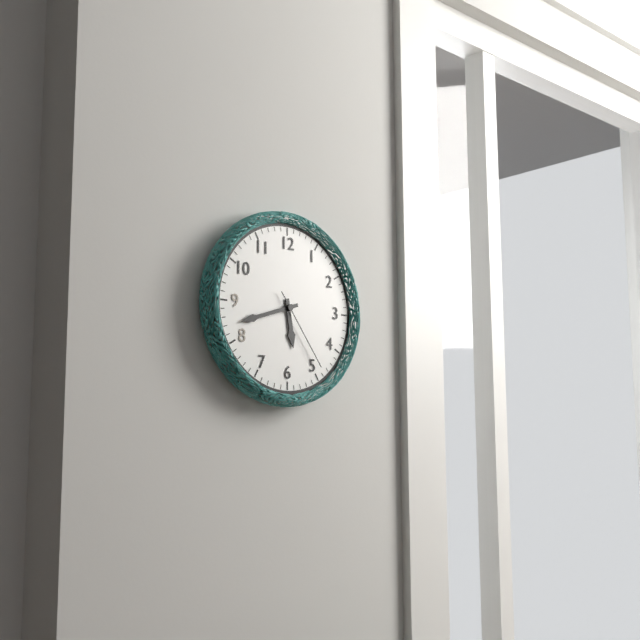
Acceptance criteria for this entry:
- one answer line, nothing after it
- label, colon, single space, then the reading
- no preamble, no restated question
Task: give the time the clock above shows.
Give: 5:42:24
